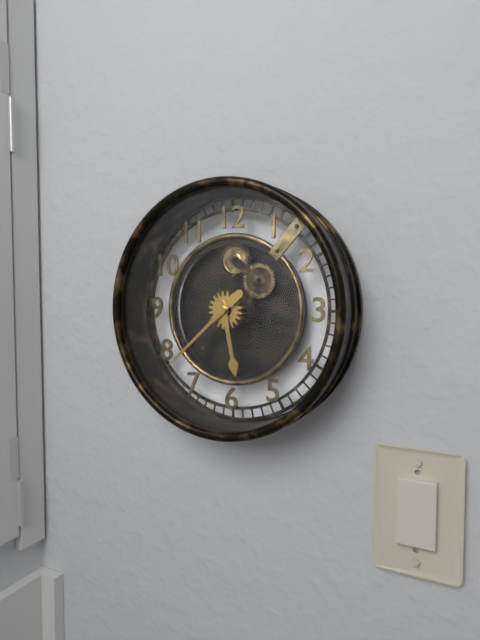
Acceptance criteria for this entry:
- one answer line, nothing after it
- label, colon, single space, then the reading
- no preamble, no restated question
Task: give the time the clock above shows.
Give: 5:38
